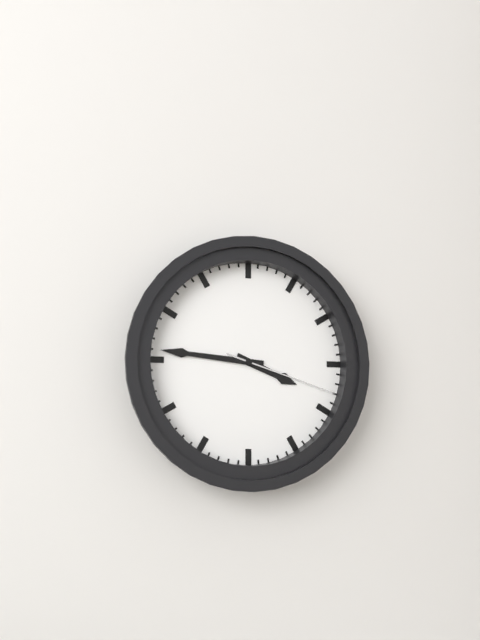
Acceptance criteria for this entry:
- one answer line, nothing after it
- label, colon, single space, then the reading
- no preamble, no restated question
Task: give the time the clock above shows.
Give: 3:46:18
